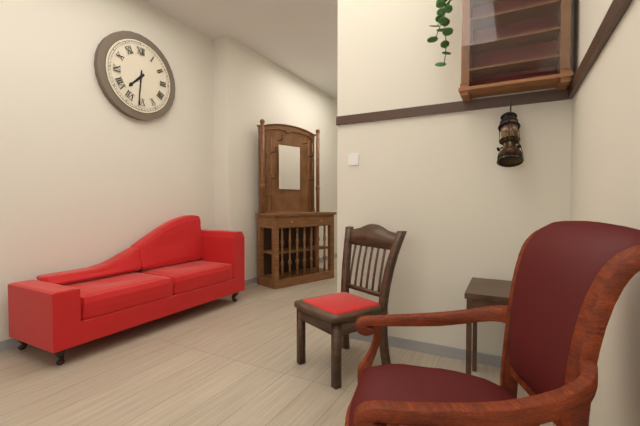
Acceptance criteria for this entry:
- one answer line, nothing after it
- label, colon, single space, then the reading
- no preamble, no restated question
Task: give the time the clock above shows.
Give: 7:31
